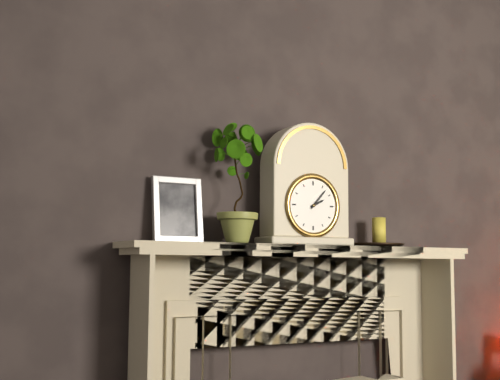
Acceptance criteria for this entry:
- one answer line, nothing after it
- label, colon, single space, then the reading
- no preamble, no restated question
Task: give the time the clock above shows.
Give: 2:07
